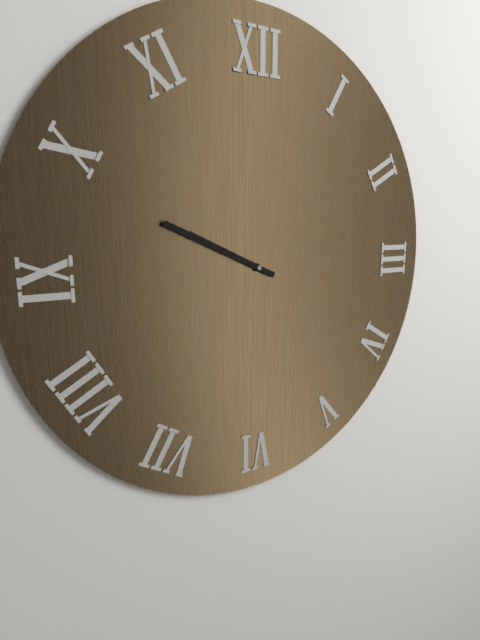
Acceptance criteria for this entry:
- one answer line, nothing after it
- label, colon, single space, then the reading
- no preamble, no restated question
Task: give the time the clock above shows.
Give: 9:49
